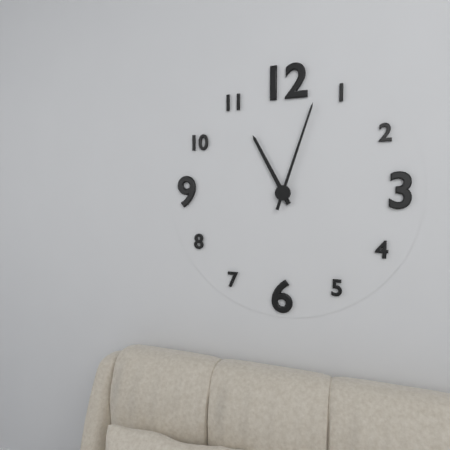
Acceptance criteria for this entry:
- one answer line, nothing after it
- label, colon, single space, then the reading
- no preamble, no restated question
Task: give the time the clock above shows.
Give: 11:03
